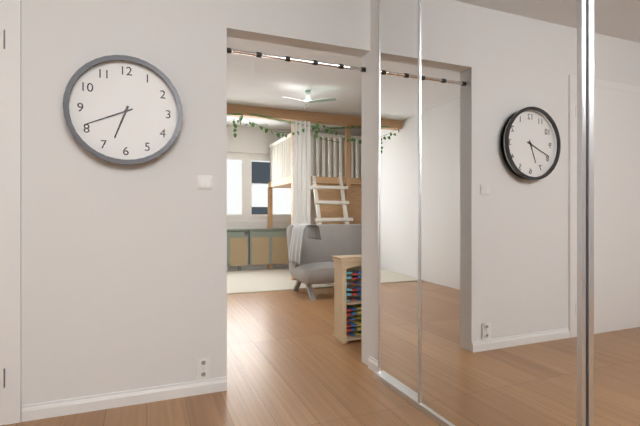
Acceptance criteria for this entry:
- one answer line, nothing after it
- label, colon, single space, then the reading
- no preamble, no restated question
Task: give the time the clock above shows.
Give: 6:41
